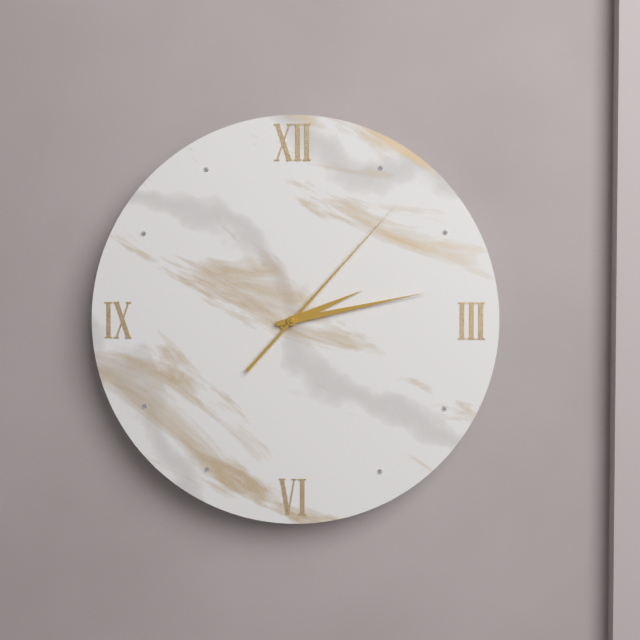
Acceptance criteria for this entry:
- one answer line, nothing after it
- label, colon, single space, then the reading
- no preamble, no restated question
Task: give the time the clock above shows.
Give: 2:13:07
